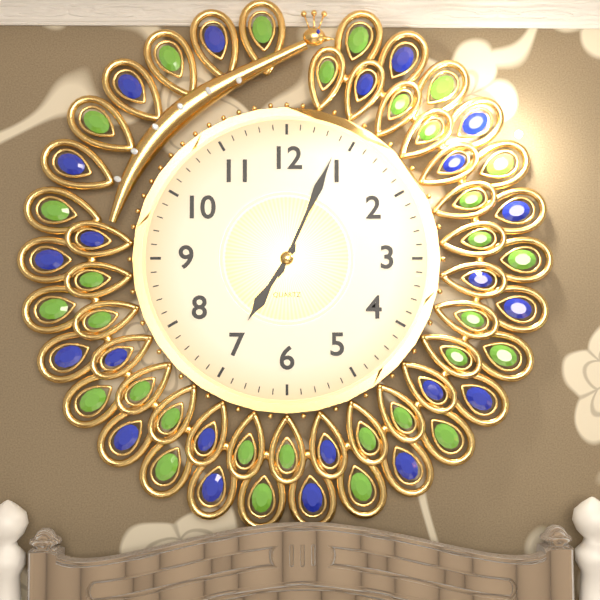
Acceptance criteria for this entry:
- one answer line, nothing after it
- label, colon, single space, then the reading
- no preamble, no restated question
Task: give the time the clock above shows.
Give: 7:04
